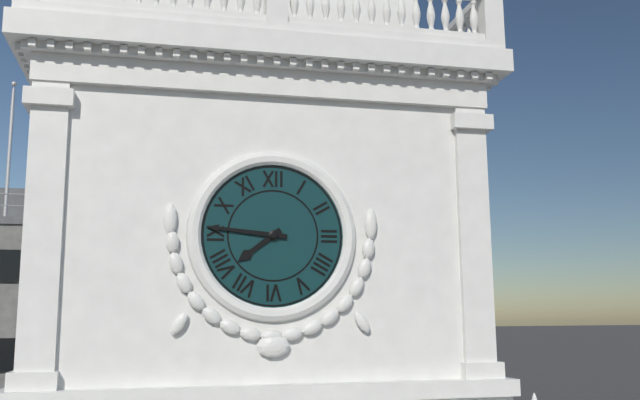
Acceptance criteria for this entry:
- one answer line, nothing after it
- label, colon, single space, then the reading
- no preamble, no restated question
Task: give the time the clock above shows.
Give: 7:46
